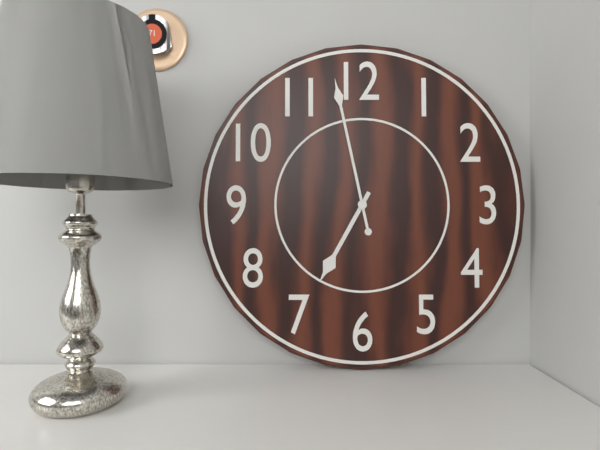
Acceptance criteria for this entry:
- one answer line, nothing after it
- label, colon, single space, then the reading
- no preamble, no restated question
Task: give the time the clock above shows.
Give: 6:58
